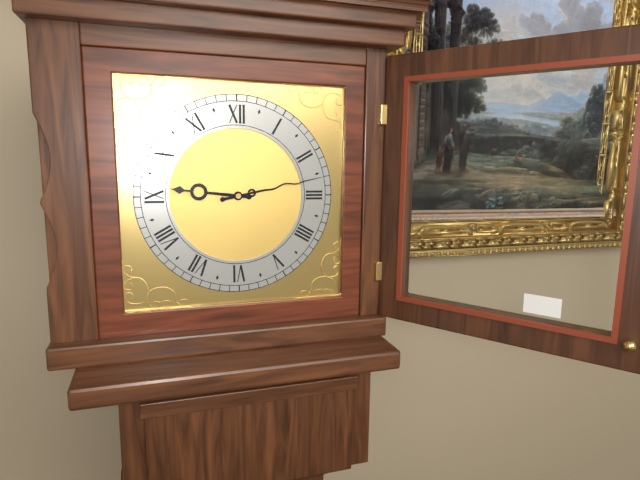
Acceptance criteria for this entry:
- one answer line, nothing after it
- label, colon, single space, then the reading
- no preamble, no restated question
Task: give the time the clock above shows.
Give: 9:13
